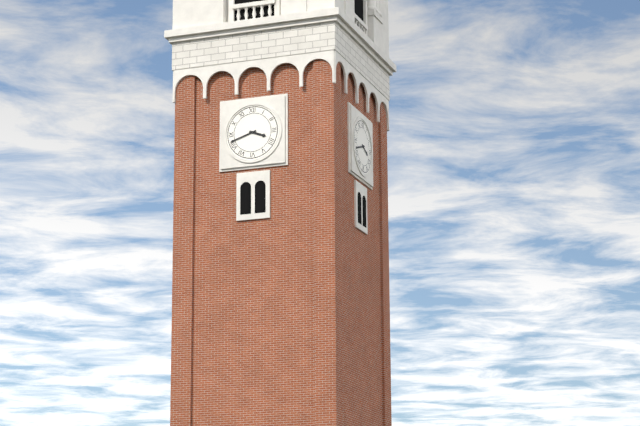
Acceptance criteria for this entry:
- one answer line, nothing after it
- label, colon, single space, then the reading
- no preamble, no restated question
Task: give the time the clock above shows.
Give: 3:42
